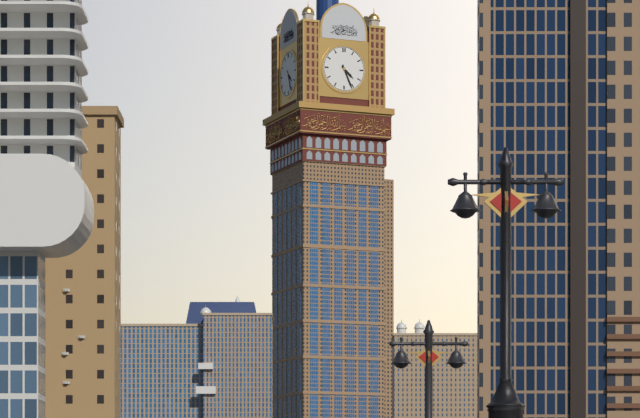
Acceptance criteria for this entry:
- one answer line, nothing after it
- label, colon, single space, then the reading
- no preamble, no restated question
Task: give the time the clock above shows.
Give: 4:26
